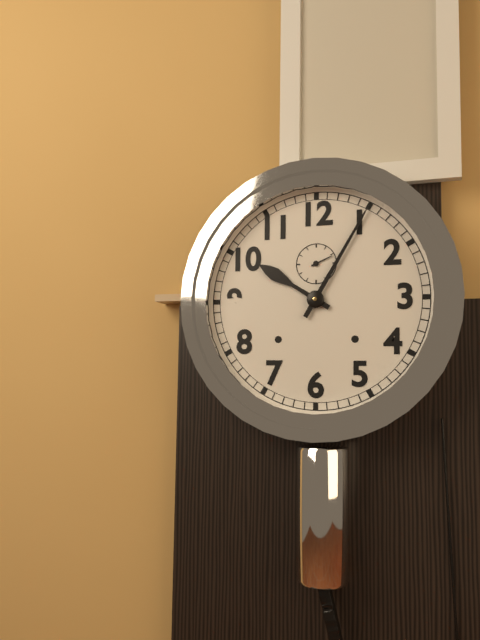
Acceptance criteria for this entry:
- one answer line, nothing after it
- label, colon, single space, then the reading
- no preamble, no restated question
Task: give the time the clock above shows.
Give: 10:05
